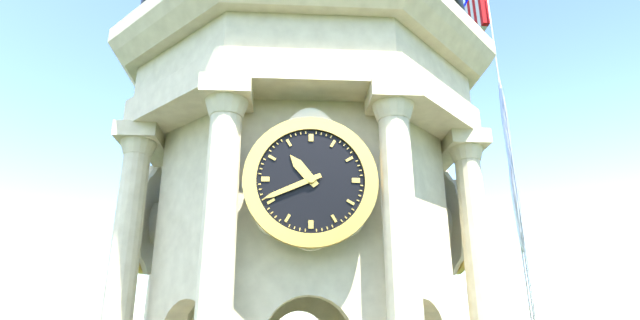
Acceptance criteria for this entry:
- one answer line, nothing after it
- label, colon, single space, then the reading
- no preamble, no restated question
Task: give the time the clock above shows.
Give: 10:41
